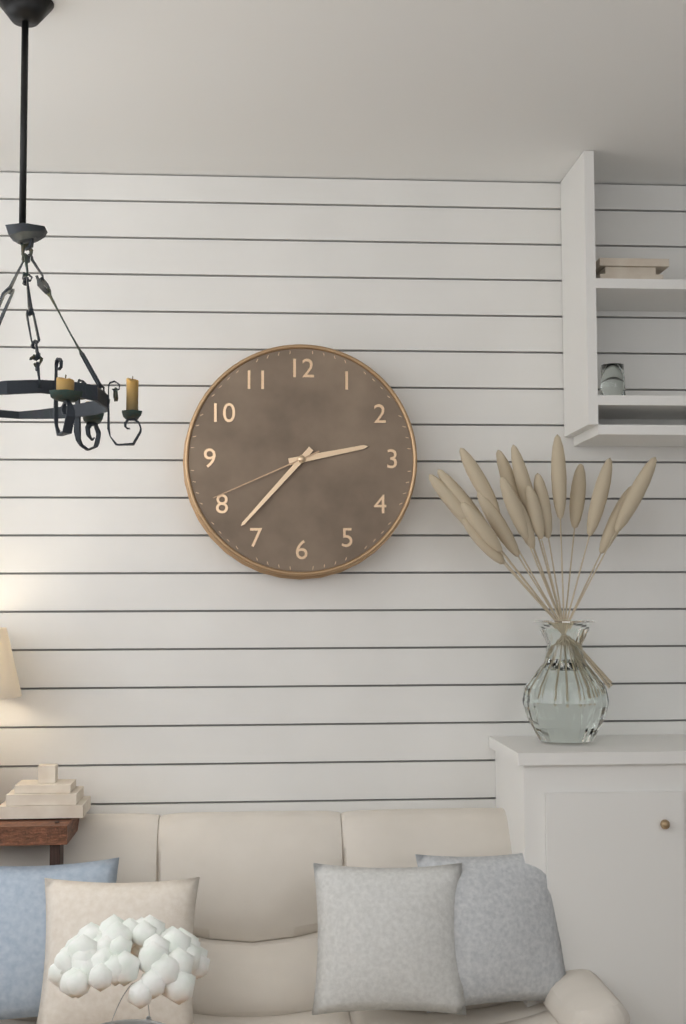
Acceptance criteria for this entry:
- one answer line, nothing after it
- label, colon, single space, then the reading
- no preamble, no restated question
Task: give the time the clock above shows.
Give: 2:37:41
